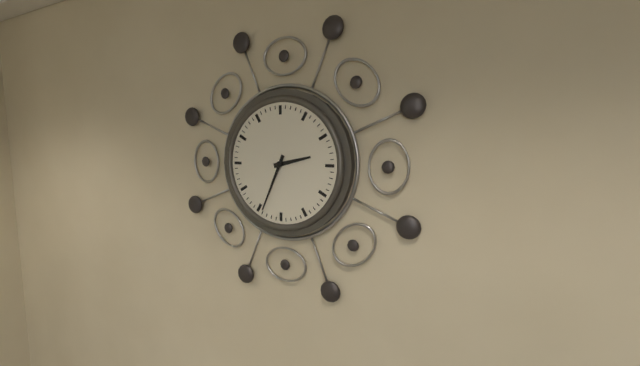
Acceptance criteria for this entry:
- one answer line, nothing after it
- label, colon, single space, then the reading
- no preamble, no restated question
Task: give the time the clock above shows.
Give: 2:34
